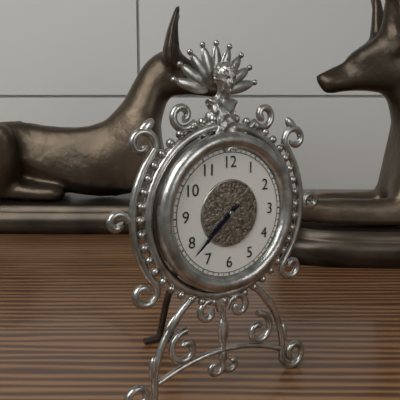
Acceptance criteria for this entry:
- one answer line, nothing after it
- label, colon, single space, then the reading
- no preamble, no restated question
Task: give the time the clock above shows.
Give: 7:38
